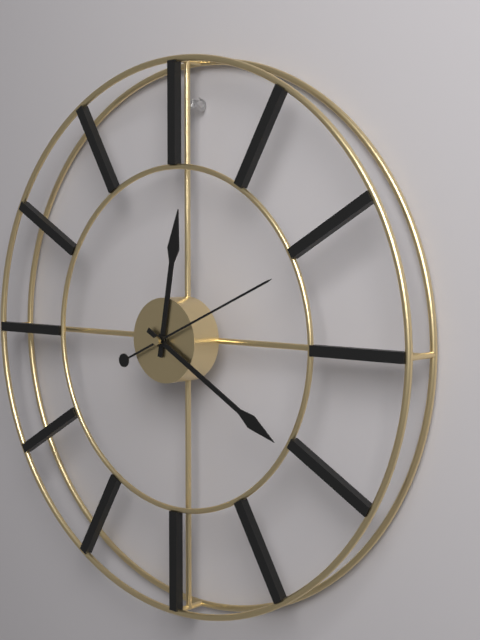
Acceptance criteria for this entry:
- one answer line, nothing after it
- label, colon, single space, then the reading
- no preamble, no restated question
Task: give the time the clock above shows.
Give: 12:20:11
